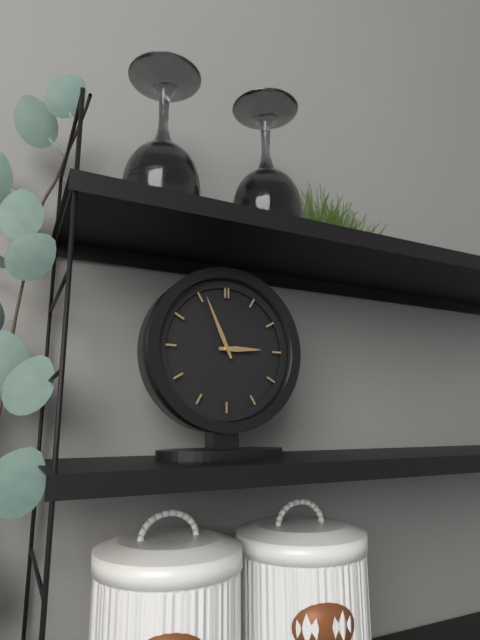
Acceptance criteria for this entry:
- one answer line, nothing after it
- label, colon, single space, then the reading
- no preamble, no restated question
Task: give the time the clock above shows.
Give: 2:56
